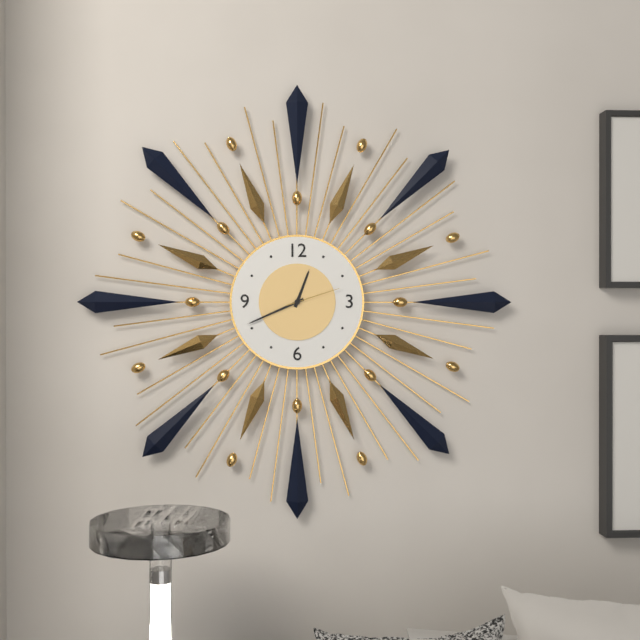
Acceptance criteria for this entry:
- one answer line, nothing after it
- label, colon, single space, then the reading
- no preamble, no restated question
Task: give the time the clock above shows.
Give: 12:41:12
